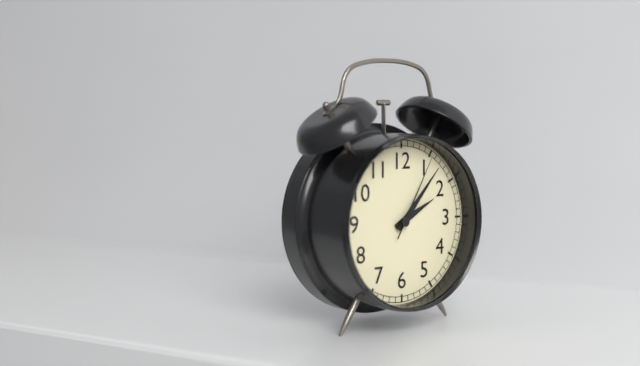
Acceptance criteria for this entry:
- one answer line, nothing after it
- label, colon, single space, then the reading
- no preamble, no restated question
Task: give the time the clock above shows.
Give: 2:07:05
